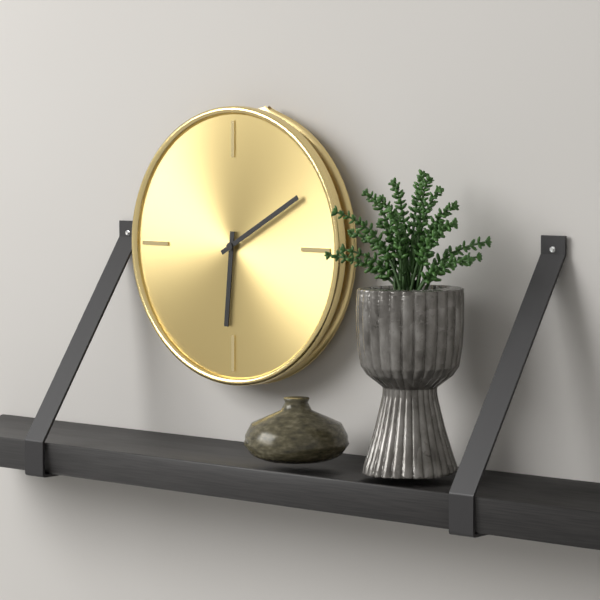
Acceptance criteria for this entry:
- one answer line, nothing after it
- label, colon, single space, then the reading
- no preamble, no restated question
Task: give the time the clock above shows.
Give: 6:10
